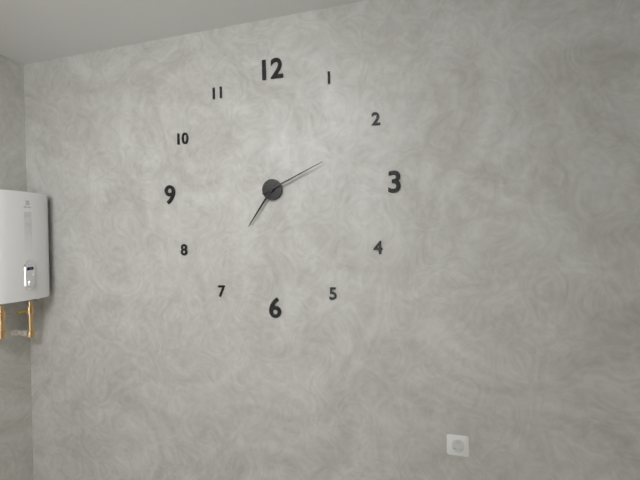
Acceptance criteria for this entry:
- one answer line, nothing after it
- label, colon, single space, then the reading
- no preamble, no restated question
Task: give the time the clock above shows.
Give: 7:11
